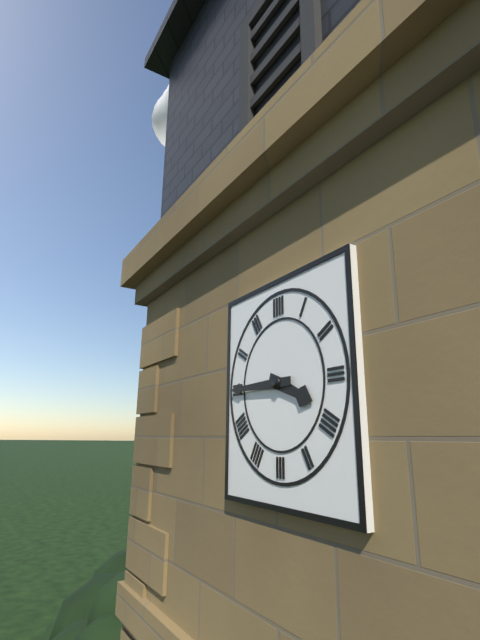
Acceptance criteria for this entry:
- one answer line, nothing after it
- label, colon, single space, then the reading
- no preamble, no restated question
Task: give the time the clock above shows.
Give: 3:45
